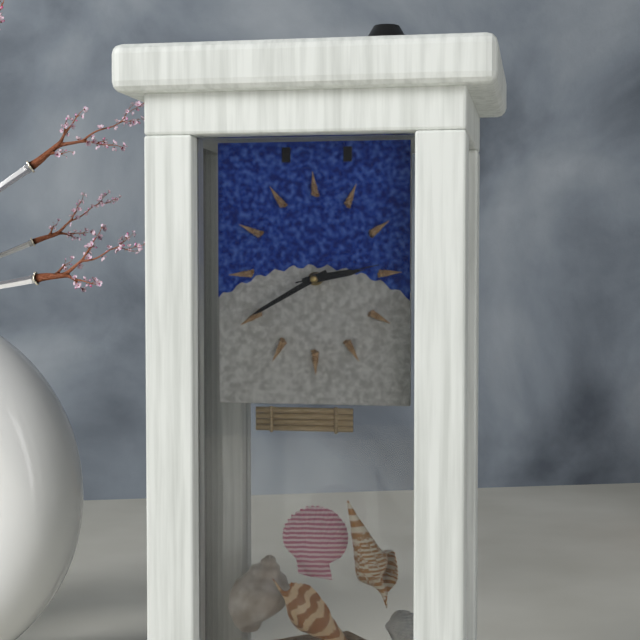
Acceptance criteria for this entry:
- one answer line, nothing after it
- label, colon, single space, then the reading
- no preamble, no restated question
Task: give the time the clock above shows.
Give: 2:40:13
